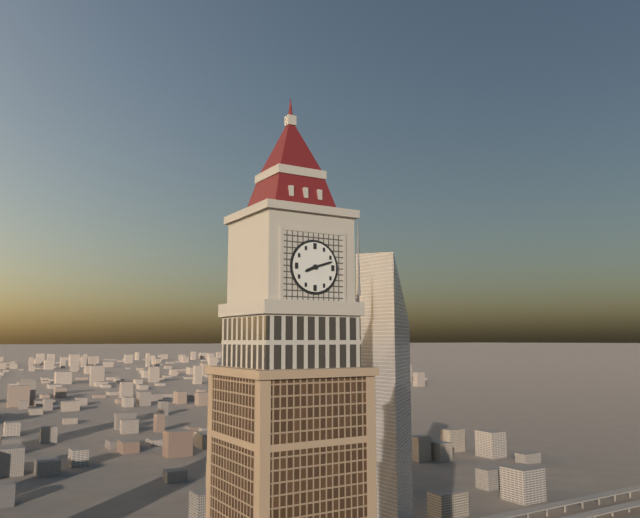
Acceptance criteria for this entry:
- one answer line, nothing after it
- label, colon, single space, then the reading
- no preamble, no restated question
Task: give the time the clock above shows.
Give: 8:12
